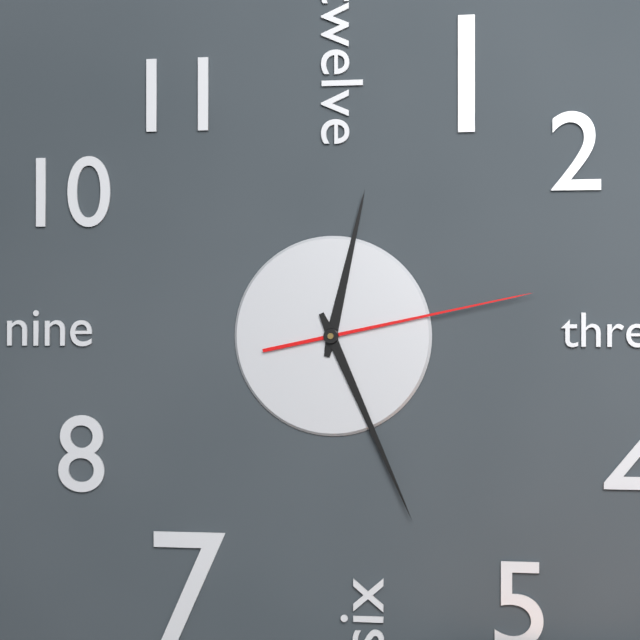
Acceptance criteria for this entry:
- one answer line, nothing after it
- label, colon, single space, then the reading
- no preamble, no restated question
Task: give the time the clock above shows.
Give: 12:26:13
